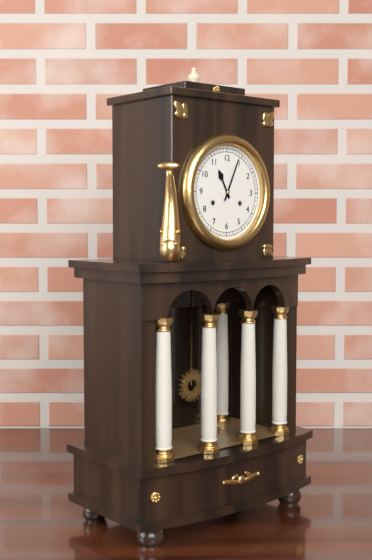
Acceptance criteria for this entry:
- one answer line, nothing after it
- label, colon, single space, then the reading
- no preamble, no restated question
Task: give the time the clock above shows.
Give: 11:04
